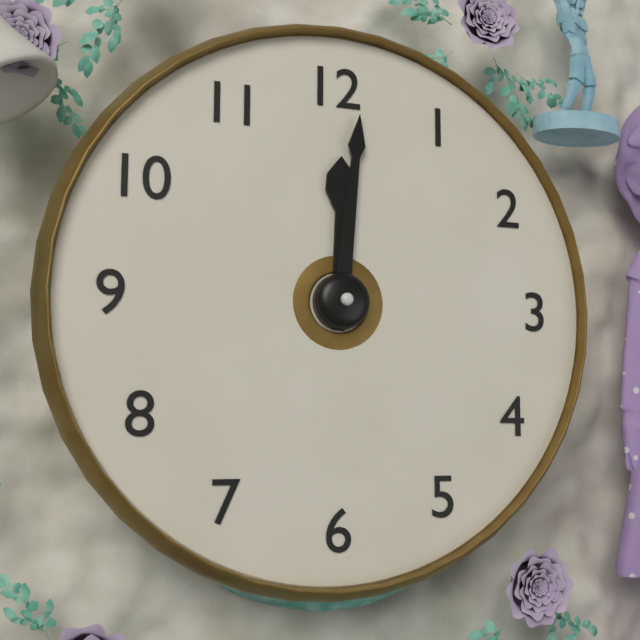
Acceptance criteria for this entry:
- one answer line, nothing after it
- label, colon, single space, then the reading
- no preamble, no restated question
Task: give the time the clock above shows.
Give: 12:01
